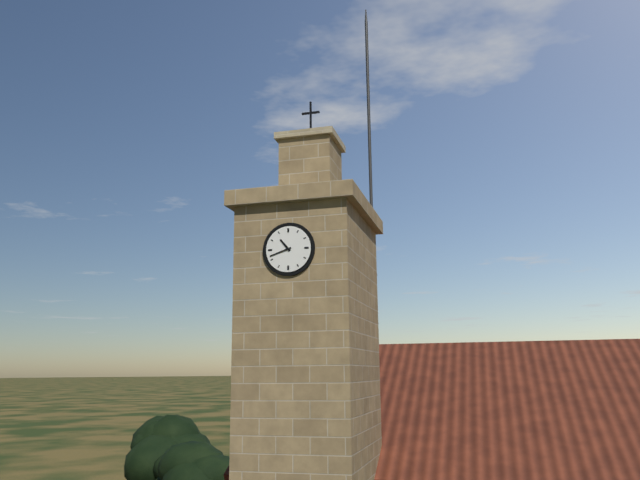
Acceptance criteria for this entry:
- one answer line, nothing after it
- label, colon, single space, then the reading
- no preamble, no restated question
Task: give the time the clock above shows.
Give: 10:42
